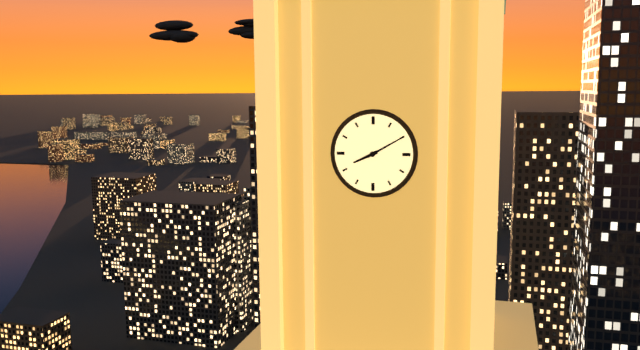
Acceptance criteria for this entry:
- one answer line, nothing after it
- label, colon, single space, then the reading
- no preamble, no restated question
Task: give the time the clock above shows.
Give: 8:10
